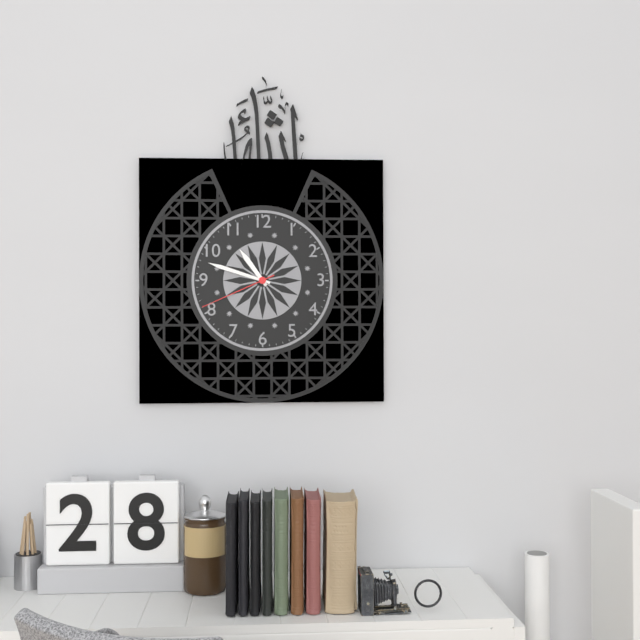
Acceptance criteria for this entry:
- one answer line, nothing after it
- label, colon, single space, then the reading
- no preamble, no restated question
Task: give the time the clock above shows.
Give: 10:48:41
